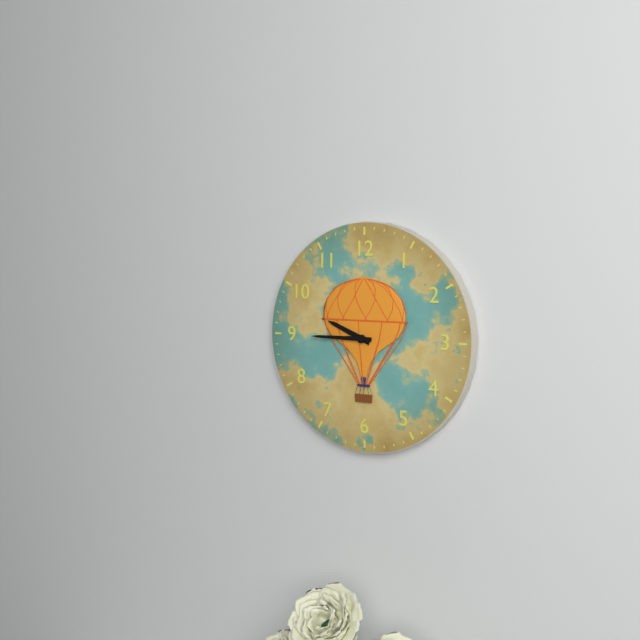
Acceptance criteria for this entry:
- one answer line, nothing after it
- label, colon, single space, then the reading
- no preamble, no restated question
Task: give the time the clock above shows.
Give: 9:45
